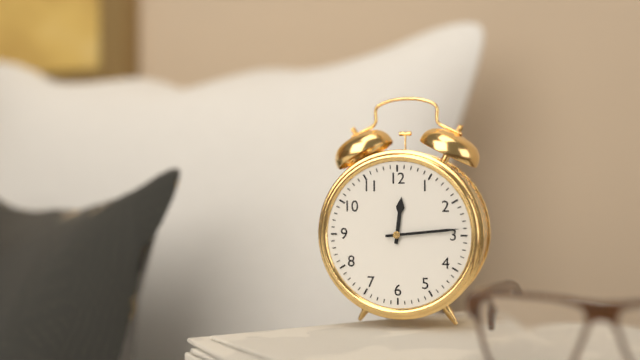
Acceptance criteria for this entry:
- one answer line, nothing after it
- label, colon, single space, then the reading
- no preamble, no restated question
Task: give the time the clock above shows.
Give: 12:14
